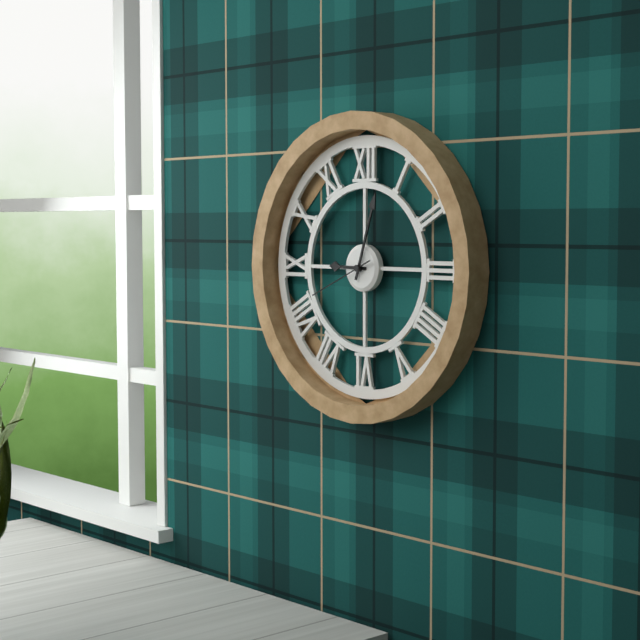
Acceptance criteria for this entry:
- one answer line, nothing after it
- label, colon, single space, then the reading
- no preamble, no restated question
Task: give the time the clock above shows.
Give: 9:03:41
